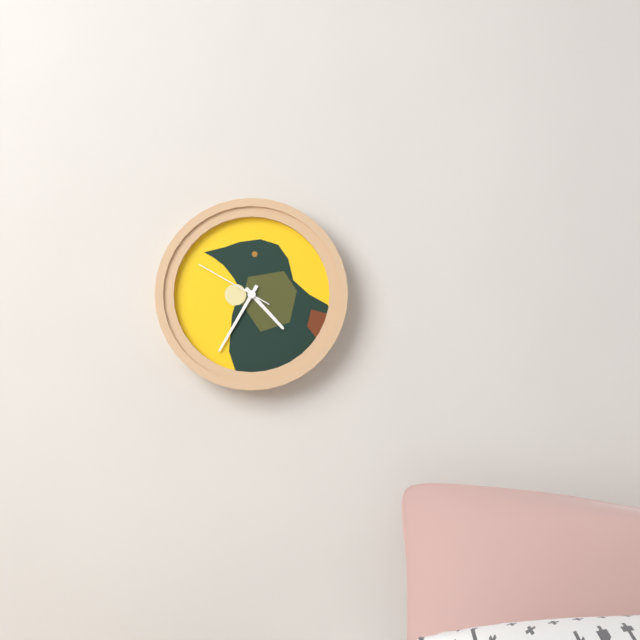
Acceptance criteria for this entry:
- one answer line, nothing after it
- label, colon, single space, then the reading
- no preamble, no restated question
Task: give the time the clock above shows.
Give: 4:35:50
